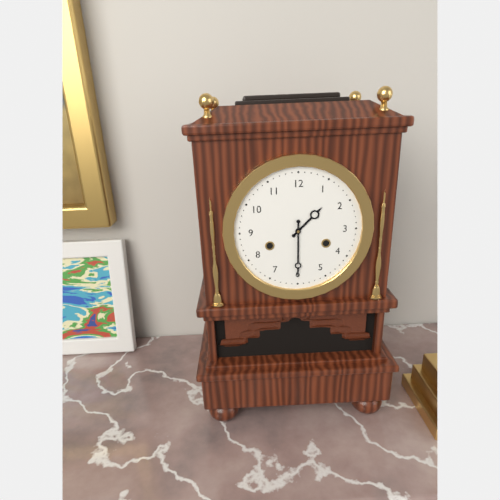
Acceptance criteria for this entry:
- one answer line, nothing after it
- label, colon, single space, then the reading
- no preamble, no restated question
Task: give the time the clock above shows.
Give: 1:30
